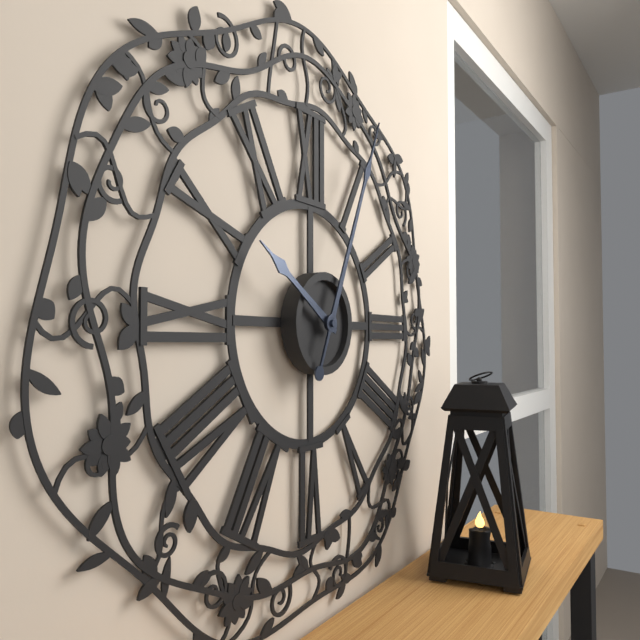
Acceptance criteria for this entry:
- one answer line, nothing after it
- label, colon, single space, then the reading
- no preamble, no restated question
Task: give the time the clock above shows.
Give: 10:04
